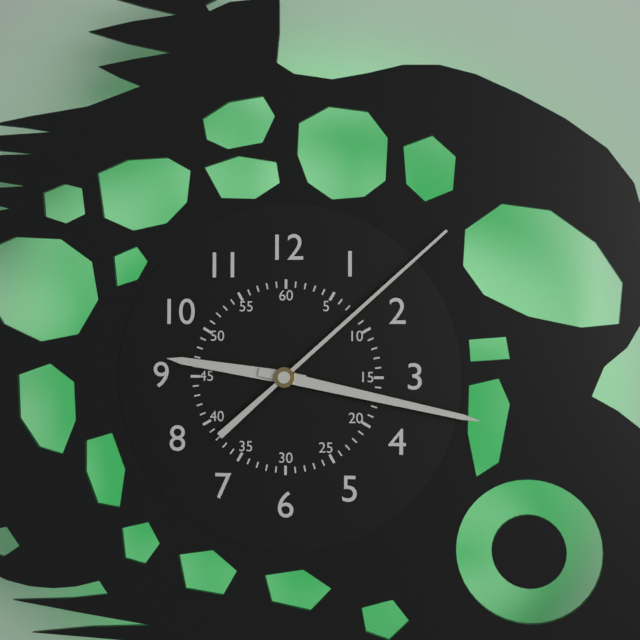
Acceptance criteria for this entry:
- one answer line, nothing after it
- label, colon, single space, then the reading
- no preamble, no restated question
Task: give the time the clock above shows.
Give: 9:17:08
